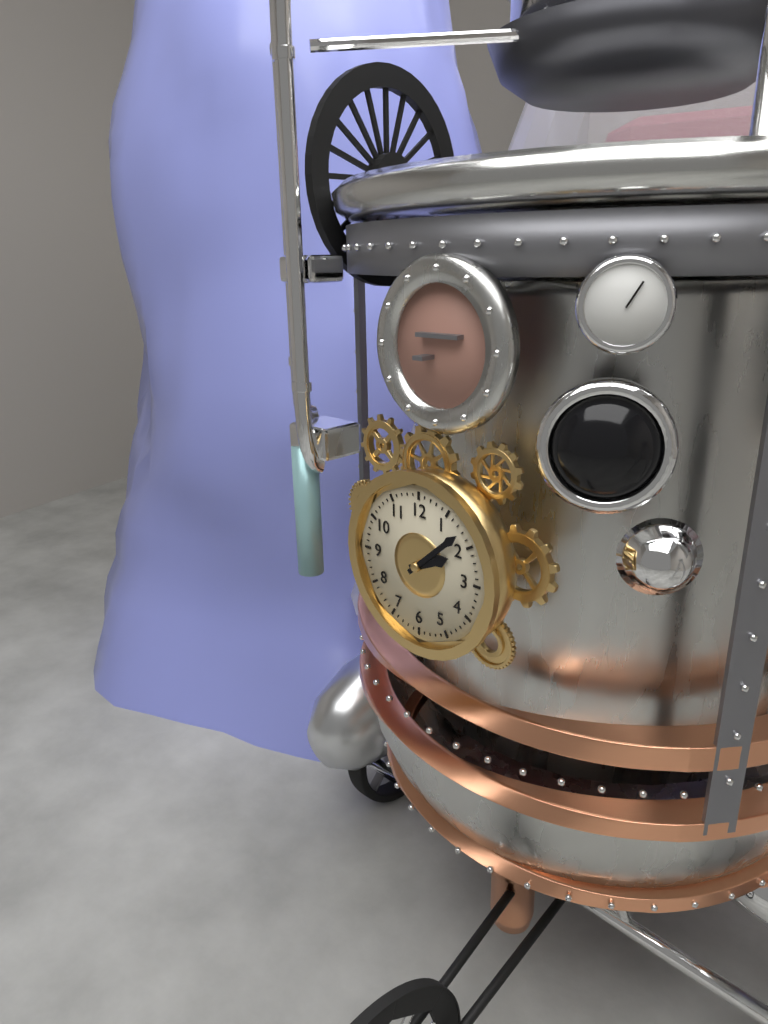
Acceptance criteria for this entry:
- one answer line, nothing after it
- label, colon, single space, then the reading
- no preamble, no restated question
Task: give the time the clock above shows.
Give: 2:08
